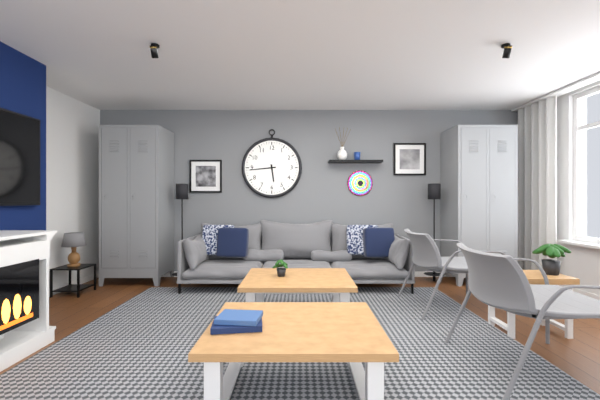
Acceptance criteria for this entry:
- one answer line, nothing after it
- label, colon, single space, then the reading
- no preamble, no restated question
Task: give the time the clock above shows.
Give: 5:44
